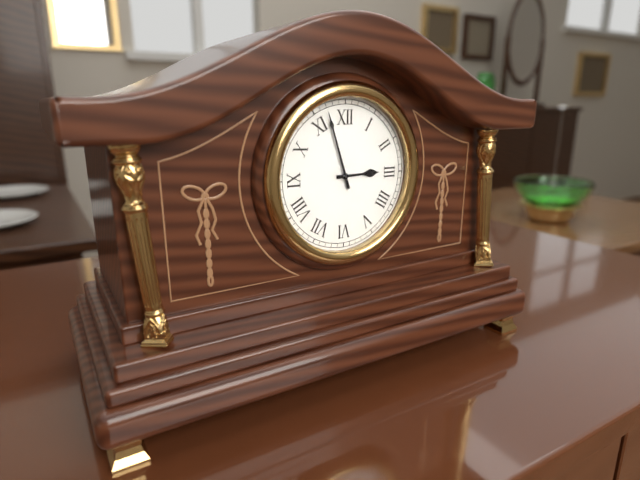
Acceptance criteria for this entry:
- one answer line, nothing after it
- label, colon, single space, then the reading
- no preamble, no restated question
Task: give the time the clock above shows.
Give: 2:57
